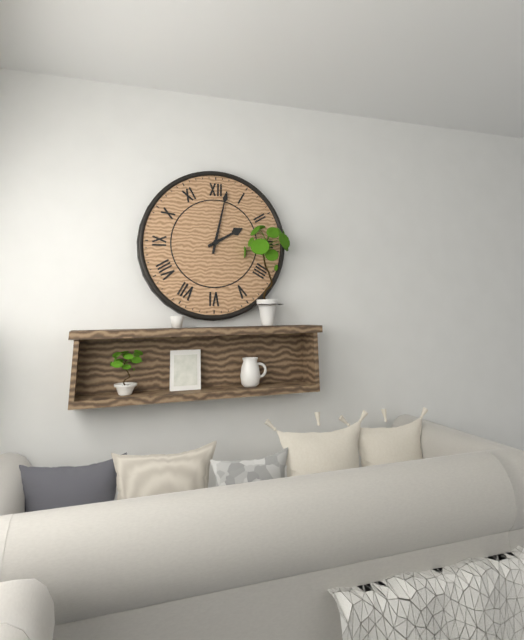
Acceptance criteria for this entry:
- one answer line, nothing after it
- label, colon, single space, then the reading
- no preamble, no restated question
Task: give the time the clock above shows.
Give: 2:02
